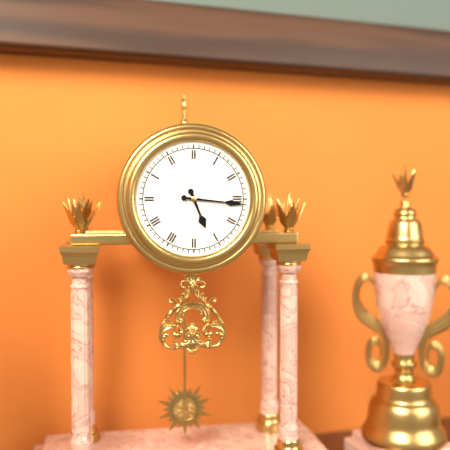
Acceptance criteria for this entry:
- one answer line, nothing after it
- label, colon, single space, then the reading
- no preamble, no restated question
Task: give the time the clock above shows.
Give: 5:16
